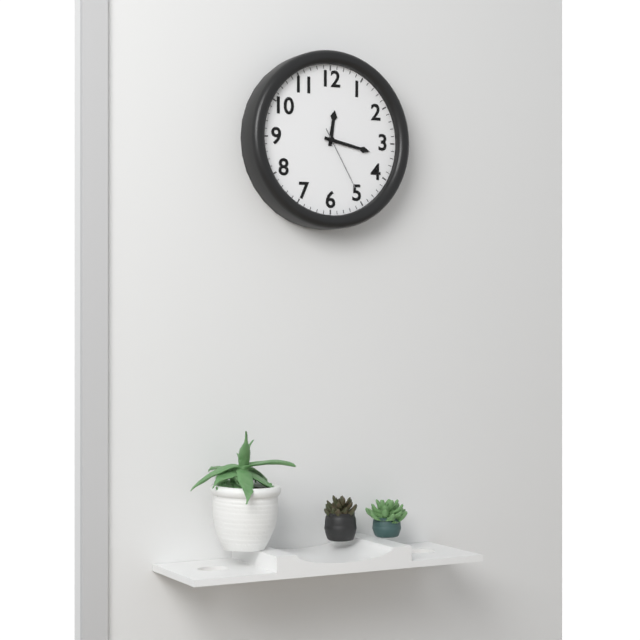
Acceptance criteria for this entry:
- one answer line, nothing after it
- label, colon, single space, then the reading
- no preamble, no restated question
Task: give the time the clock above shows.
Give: 12:17:25
